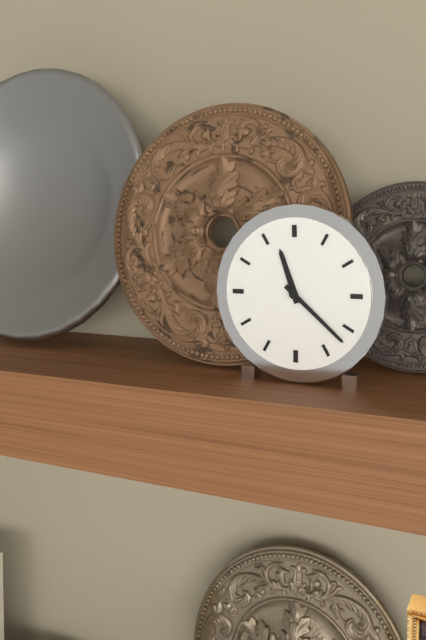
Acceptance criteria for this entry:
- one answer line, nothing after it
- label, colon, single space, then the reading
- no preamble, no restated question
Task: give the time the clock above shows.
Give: 11:22
